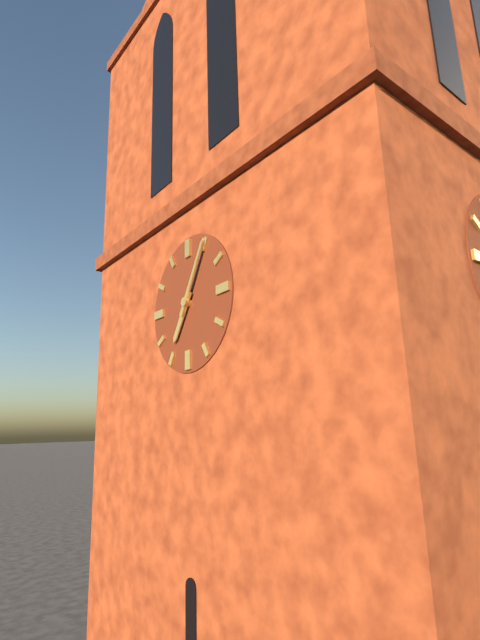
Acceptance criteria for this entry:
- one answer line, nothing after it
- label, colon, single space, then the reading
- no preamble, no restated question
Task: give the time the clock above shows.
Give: 7:05
